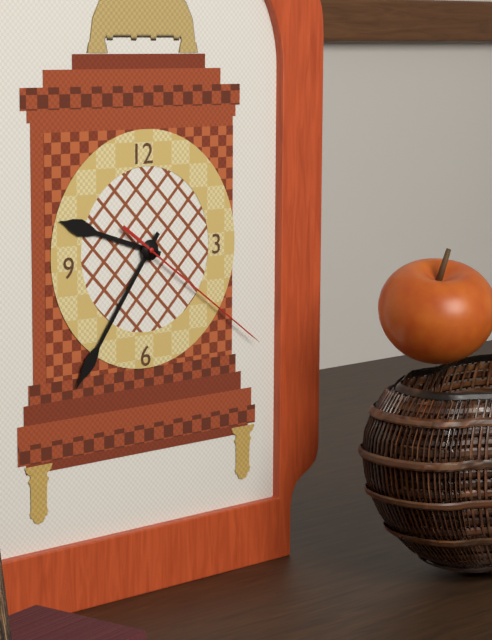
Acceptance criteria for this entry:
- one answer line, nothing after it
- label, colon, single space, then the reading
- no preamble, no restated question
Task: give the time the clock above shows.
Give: 9:36:21
